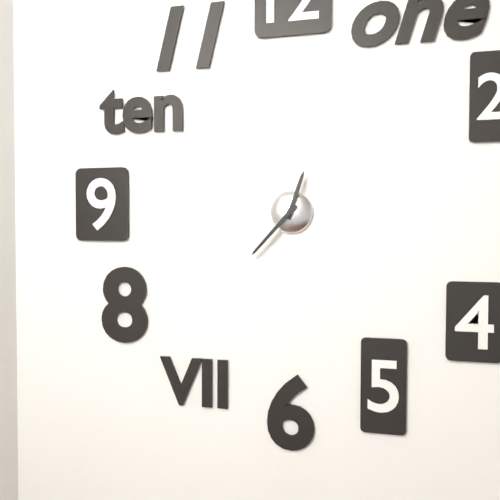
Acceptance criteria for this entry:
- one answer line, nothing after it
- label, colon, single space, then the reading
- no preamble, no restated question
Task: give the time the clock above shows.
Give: 12:37
